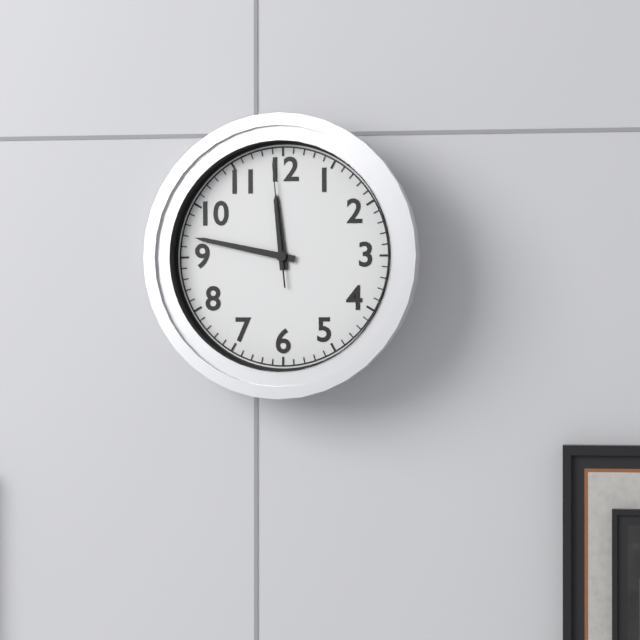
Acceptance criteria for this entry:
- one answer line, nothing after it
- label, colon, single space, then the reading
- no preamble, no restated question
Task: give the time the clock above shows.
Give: 11:47:59
